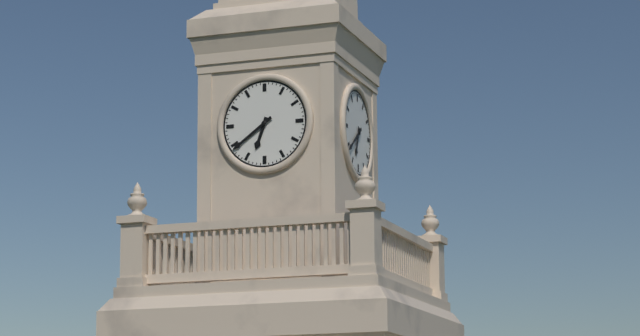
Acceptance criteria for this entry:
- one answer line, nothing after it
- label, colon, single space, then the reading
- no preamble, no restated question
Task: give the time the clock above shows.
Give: 6:39
